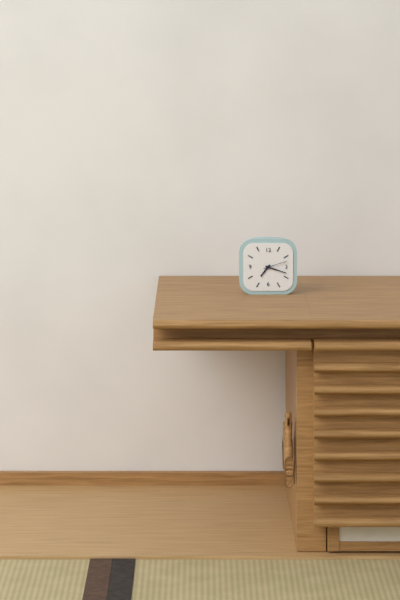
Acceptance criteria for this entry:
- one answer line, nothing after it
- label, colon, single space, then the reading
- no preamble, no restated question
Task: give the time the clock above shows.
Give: 7:18
